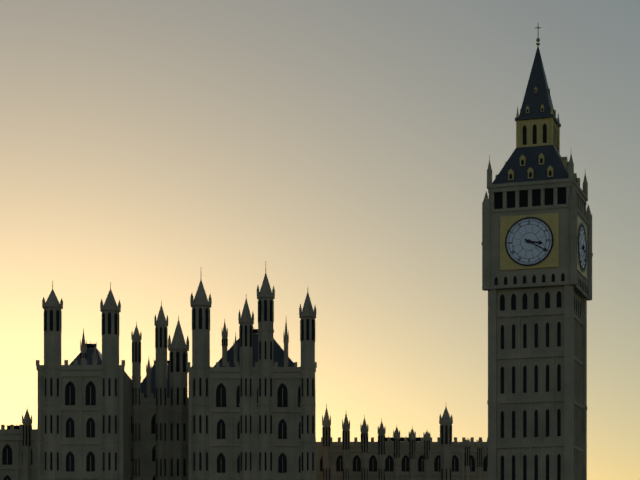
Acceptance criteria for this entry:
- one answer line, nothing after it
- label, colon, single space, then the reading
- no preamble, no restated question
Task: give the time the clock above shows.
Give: 3:20
